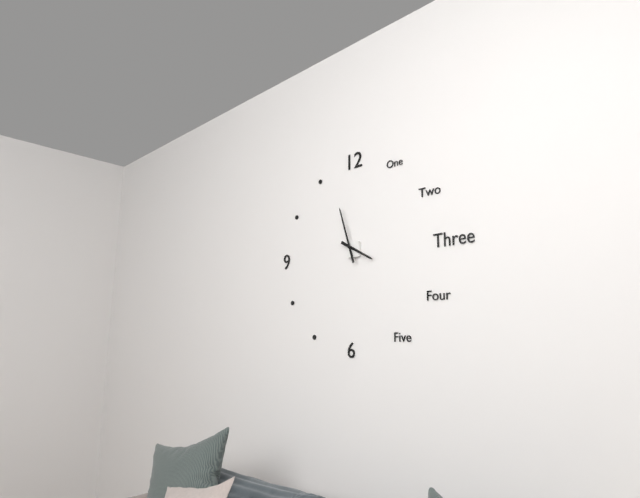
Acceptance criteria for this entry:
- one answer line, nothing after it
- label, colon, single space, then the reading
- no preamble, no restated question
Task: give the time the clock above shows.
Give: 3:57
